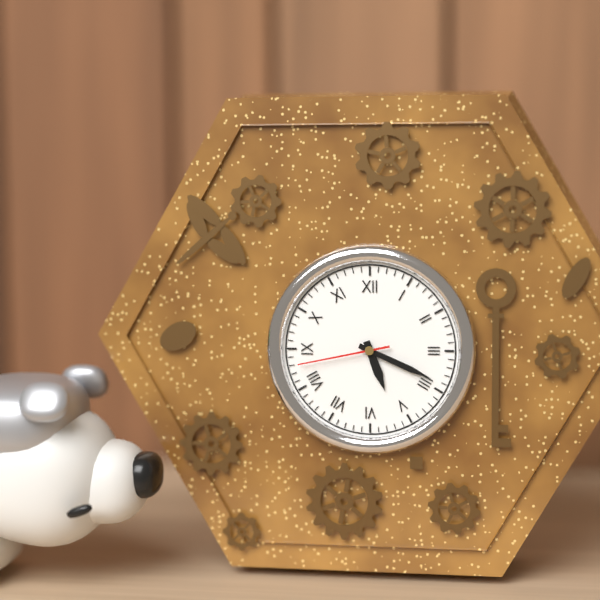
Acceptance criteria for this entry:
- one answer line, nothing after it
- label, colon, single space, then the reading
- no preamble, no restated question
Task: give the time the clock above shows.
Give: 5:19:43
